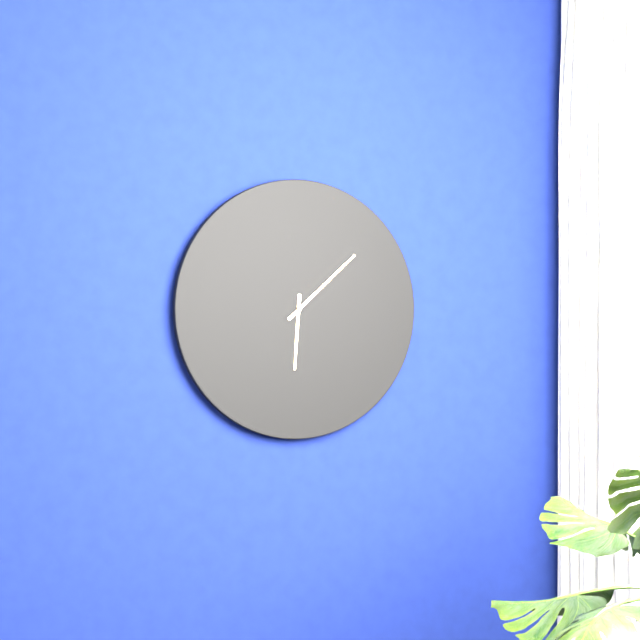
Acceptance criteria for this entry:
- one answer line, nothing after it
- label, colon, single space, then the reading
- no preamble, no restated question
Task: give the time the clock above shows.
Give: 6:08
